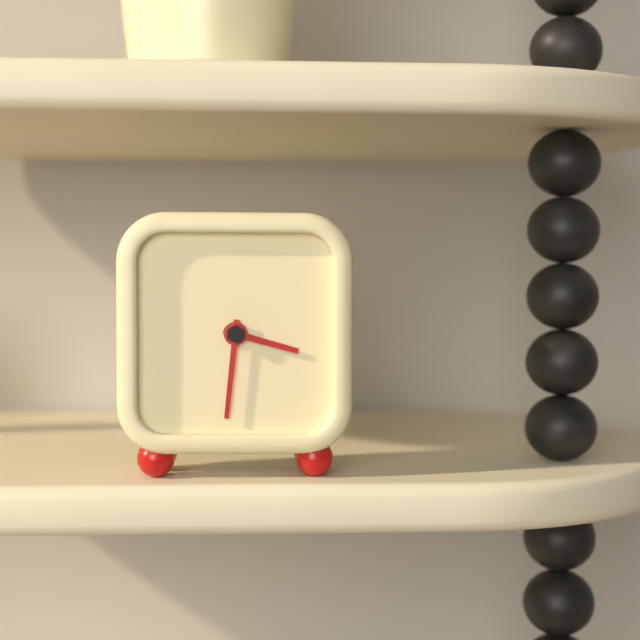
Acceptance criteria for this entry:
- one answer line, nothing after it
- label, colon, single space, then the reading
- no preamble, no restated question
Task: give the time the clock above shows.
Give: 3:31
